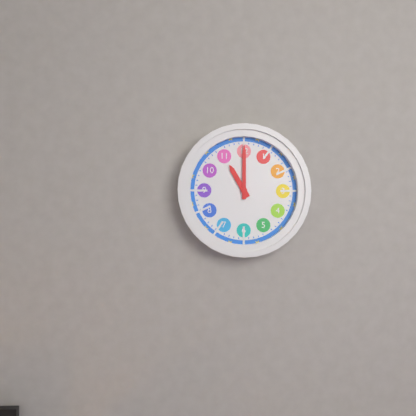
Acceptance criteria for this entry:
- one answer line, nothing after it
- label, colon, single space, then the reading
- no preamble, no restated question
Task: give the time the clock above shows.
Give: 11:00
